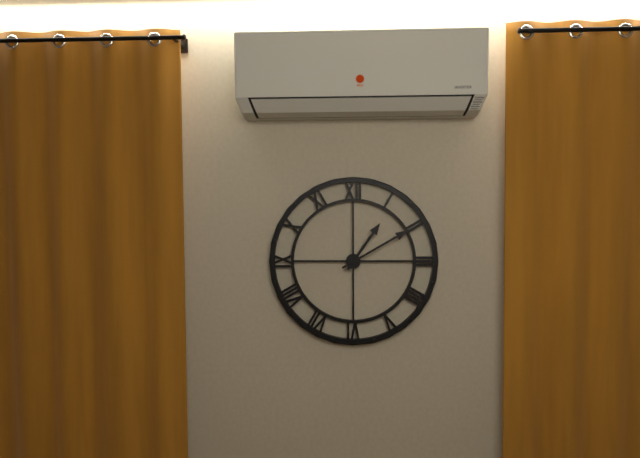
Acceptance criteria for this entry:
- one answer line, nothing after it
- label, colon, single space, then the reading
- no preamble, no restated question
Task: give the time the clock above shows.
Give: 1:10
